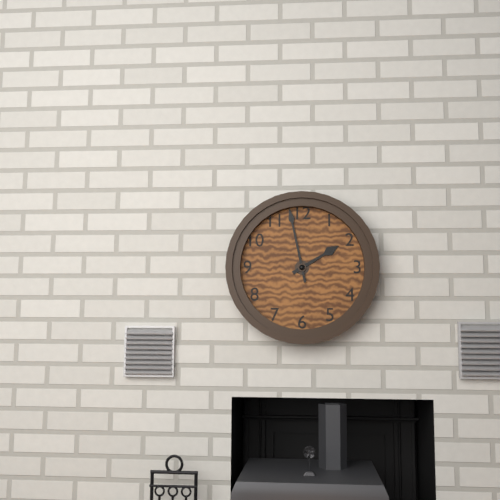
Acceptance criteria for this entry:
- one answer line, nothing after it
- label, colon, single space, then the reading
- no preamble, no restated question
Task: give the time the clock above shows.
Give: 1:58
